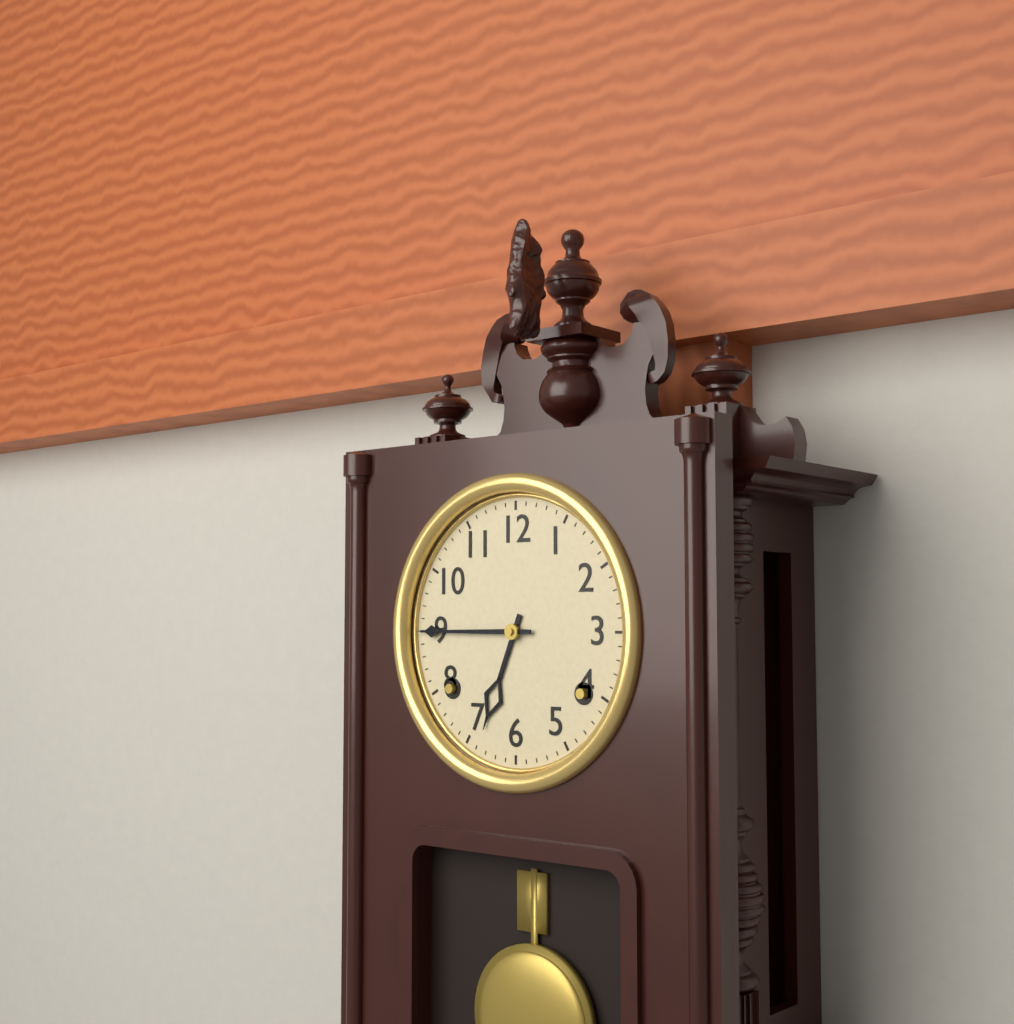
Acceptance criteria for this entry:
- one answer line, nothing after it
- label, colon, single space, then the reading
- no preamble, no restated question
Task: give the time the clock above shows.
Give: 6:45
